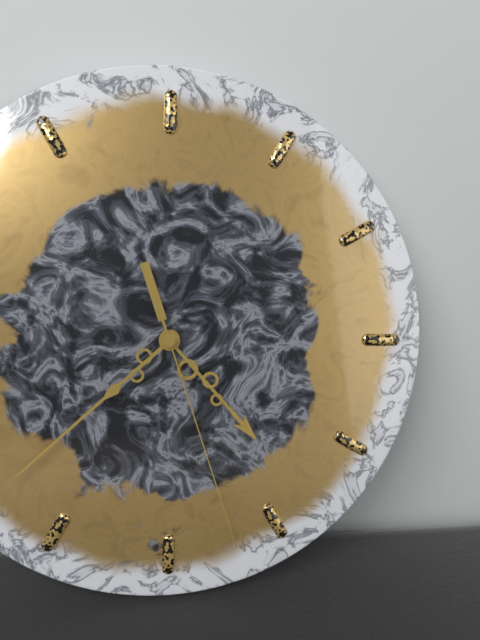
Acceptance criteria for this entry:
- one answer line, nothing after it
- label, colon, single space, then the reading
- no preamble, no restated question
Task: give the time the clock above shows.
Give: 4:38:27
